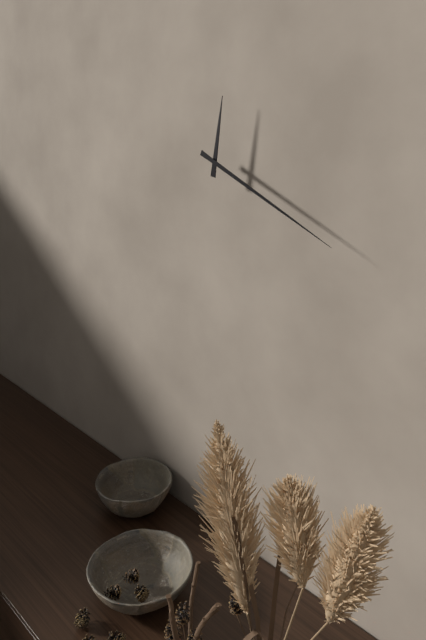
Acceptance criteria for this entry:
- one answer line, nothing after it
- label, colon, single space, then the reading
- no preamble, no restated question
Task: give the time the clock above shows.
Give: 12:19
